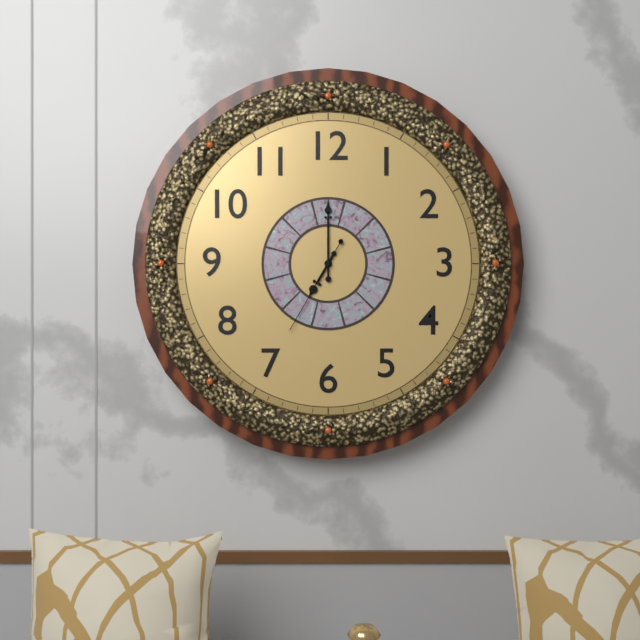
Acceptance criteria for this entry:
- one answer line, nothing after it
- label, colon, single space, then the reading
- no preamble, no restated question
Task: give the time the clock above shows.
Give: 7:00:35
